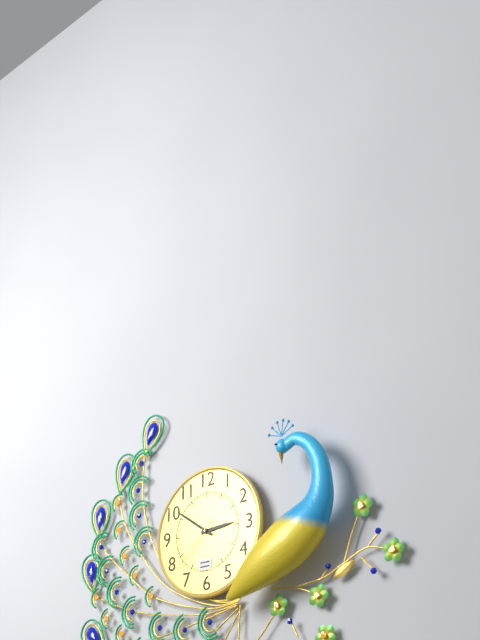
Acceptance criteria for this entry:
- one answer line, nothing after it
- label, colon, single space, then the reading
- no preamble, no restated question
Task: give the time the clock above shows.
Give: 2:51:38
